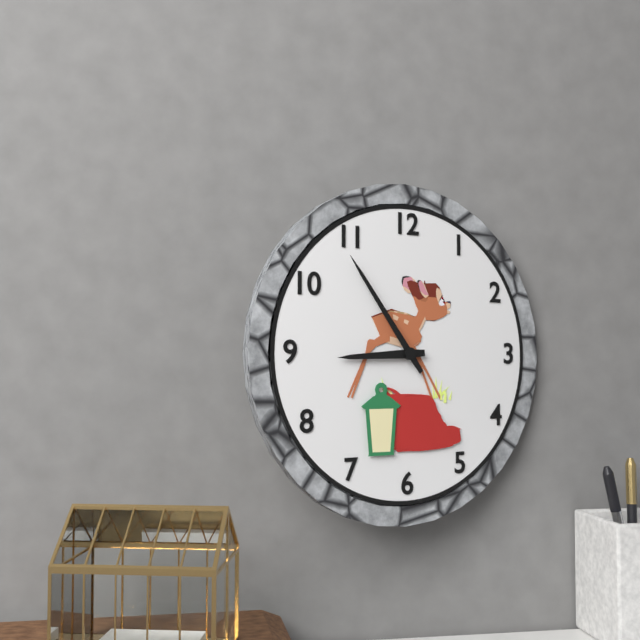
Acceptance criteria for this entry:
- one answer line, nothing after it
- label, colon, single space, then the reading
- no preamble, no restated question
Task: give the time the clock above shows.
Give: 8:54
